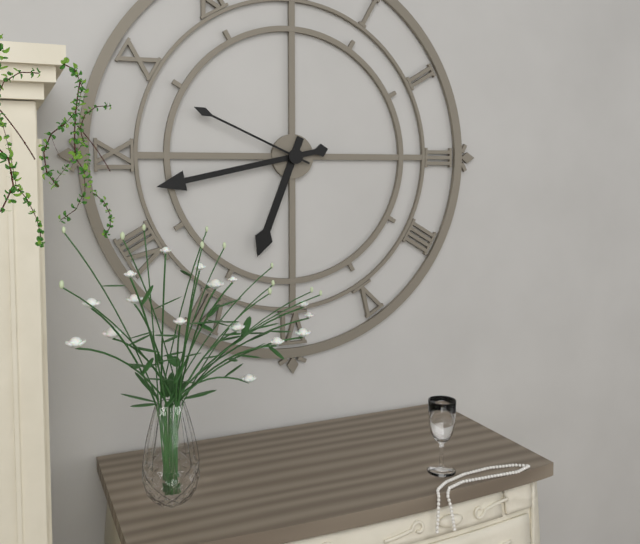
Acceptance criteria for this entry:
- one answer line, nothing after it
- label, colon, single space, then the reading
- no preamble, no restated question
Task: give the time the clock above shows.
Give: 6:43:49
